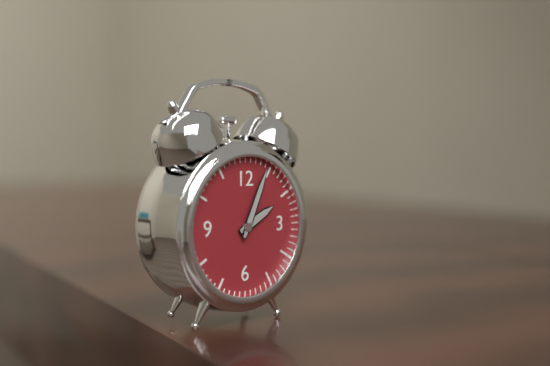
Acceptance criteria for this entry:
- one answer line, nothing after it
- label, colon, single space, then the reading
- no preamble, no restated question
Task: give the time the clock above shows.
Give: 2:04
